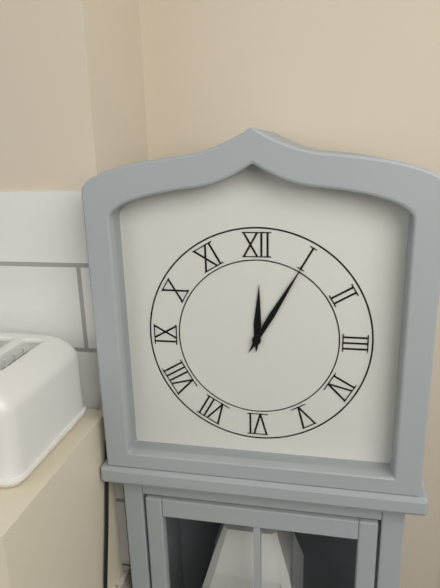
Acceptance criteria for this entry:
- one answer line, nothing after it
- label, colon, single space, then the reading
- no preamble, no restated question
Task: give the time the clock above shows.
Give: 12:05
